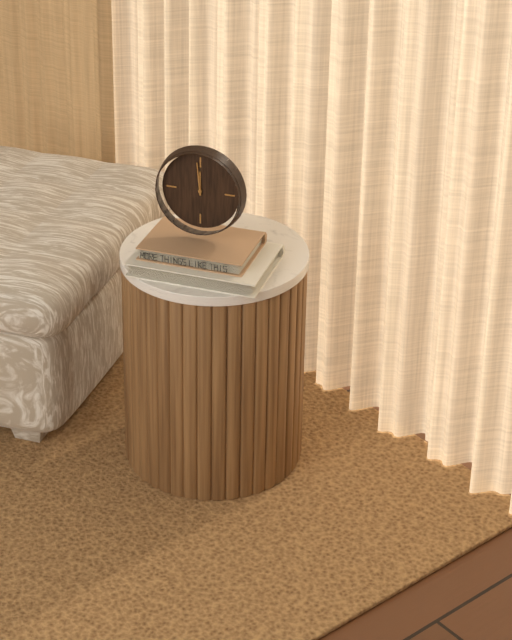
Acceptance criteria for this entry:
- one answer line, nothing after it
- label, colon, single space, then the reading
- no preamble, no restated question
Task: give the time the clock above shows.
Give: 11:59
